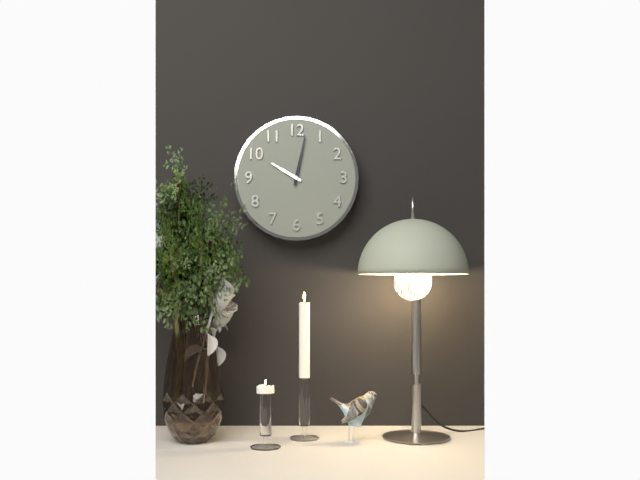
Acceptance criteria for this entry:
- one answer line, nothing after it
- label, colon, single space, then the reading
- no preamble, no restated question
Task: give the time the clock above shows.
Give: 10:02
